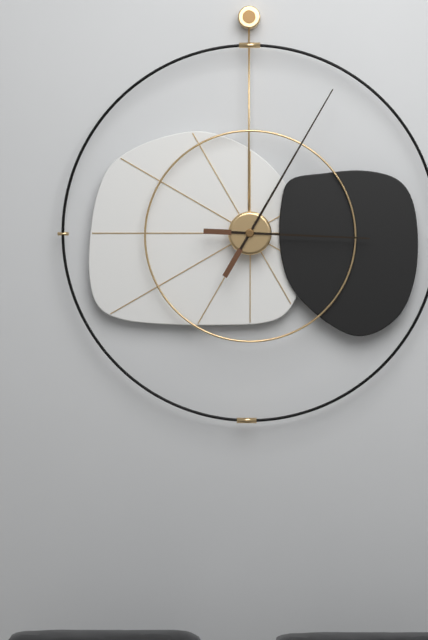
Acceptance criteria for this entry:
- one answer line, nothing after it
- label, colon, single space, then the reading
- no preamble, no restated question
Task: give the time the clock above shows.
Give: 3:05
